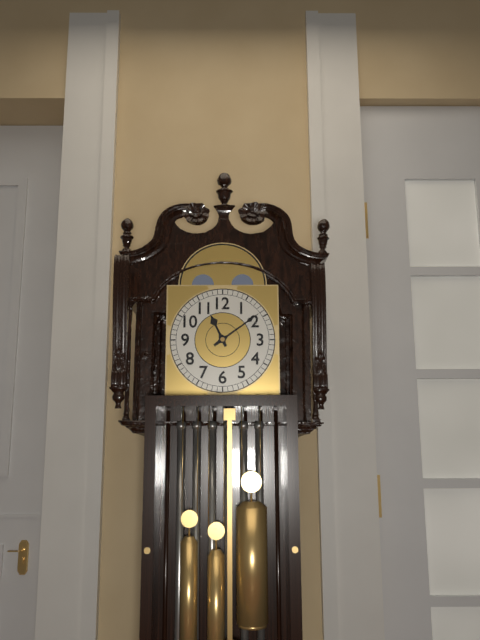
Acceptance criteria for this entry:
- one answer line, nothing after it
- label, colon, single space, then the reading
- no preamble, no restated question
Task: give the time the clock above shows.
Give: 11:09
